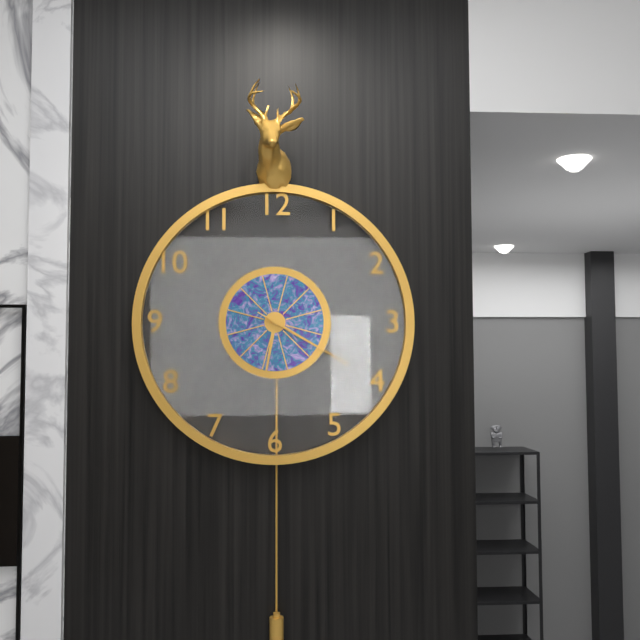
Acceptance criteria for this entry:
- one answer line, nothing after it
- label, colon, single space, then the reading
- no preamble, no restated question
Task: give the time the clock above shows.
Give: 6:20:20
